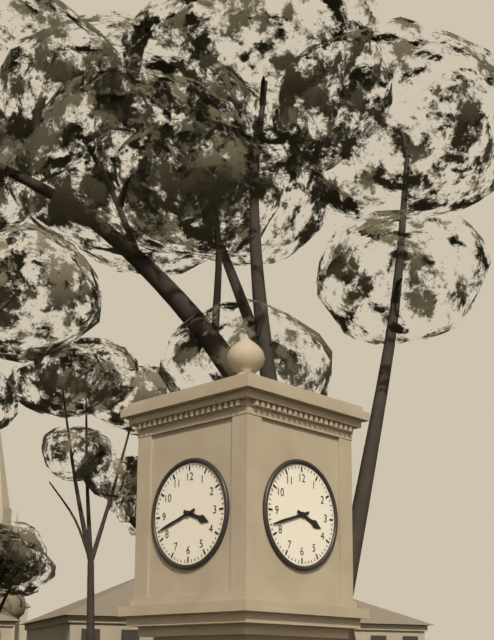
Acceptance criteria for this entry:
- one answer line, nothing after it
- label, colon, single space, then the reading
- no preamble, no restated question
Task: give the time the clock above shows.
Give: 3:42
